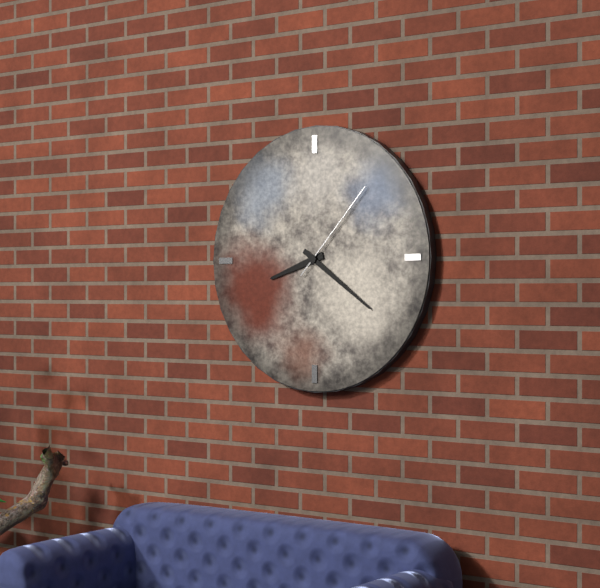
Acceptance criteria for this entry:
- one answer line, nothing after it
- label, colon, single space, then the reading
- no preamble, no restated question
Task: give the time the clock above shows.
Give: 8:21:07
